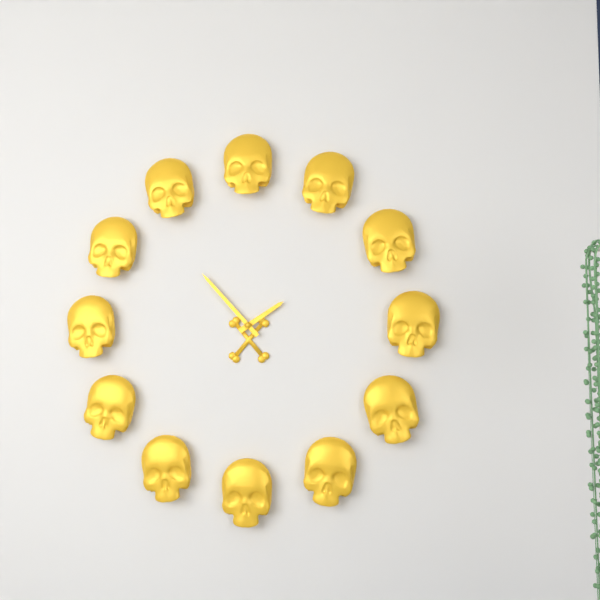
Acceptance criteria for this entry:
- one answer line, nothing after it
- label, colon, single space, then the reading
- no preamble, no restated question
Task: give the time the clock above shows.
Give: 1:53
